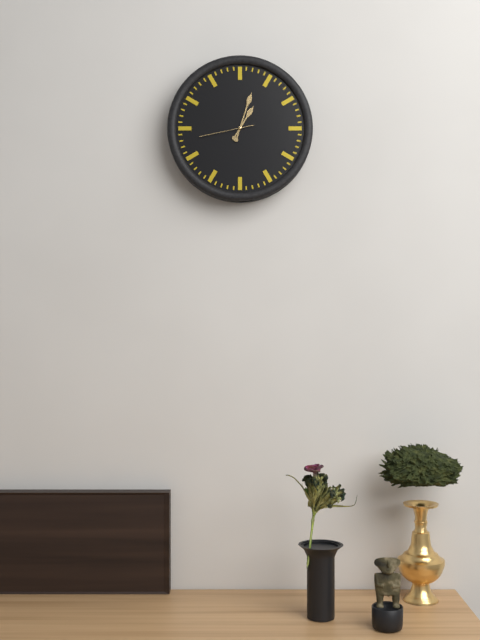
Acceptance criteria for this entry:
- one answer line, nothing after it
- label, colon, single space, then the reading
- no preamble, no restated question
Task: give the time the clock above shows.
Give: 1:03:43
